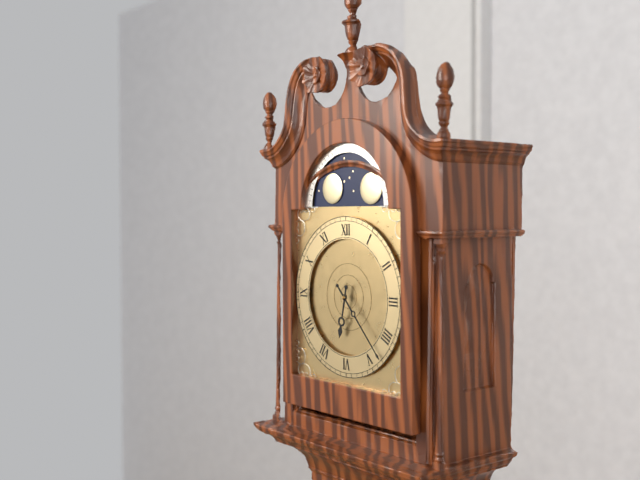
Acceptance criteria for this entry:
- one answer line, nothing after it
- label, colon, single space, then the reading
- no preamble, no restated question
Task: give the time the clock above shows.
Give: 6:23
